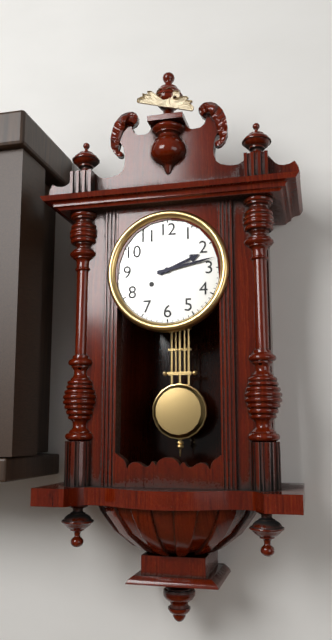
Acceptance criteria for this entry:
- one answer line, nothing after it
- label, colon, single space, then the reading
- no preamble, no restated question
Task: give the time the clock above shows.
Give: 2:13
